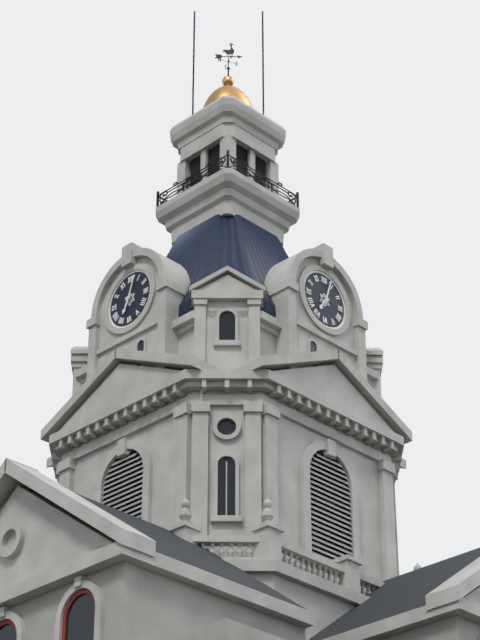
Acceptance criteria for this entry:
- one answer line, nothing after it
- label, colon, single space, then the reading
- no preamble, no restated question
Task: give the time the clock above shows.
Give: 7:03
